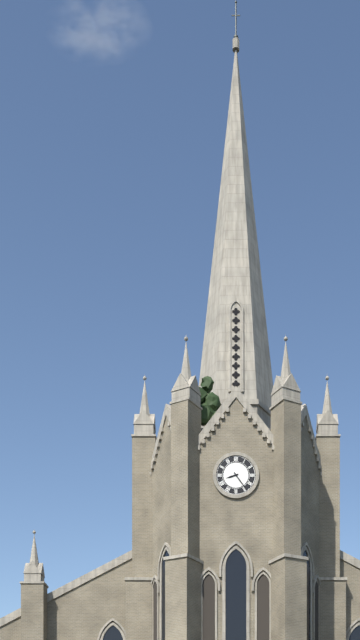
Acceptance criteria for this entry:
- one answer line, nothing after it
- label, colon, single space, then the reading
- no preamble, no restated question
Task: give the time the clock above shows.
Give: 8:24
